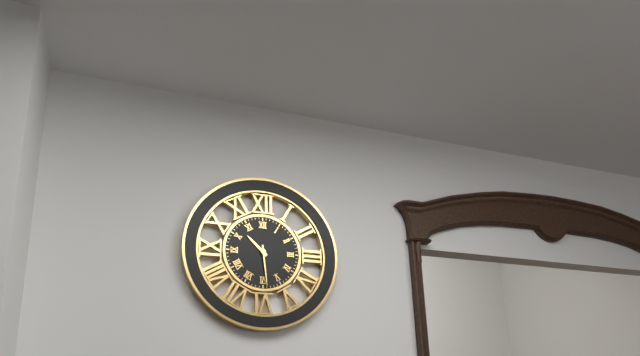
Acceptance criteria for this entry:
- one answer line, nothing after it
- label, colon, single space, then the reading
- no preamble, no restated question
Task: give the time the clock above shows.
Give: 10:29
